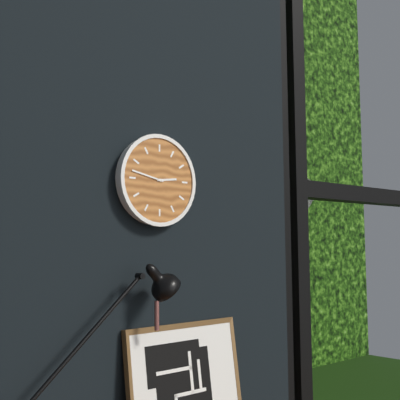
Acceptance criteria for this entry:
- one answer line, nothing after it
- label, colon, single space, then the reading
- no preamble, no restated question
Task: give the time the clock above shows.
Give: 2:47
